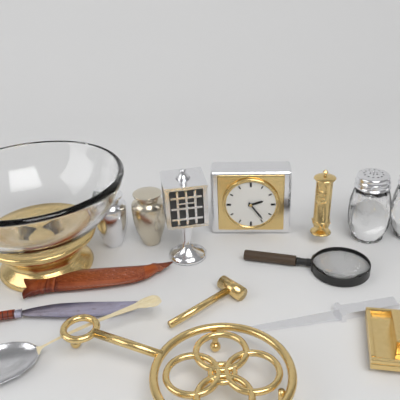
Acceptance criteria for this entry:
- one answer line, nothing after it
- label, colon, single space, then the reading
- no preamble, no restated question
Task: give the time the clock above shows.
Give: 2:24
